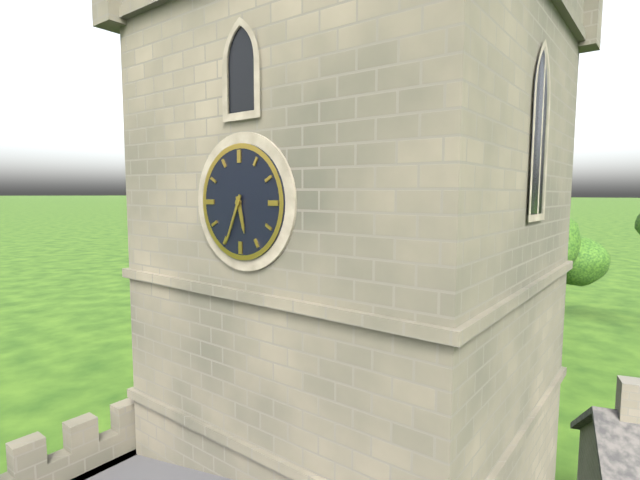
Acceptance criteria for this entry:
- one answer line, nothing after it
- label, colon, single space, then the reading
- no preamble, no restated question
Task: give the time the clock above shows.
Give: 5:34
